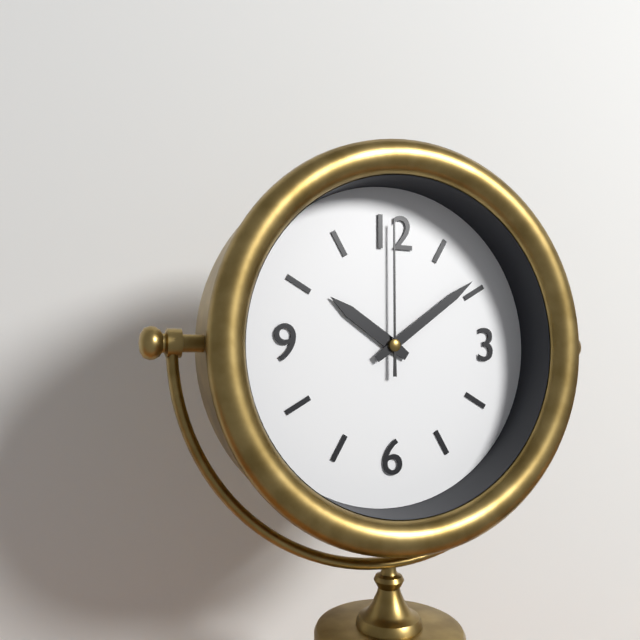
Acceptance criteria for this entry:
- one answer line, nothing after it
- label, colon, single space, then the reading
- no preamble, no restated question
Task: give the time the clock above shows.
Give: 10:09:00
